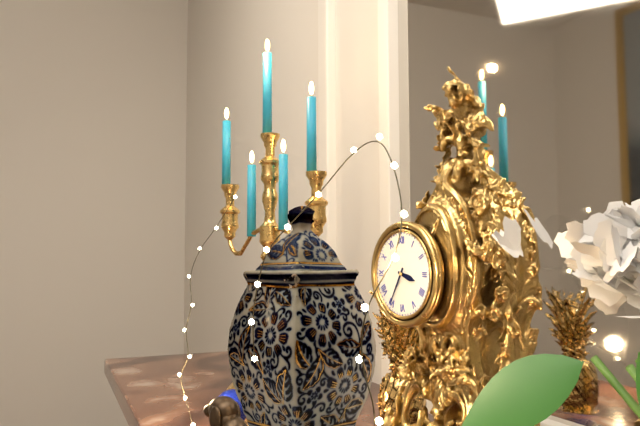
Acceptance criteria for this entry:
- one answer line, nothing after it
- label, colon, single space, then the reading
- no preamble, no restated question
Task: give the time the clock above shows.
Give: 3:35
